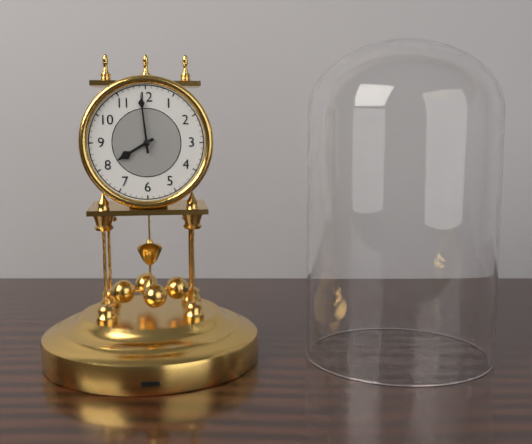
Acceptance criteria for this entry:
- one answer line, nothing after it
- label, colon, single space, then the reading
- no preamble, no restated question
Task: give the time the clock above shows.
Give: 7:59
